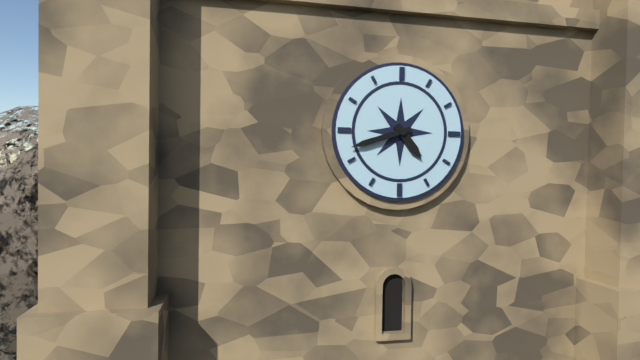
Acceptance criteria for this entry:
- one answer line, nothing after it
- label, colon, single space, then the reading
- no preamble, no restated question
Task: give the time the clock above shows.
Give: 4:42
